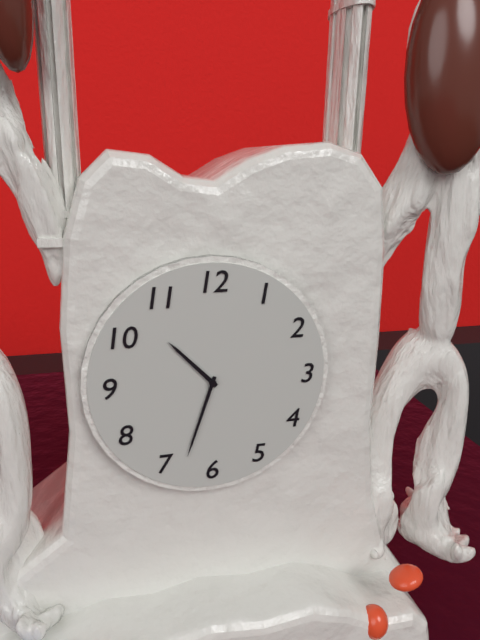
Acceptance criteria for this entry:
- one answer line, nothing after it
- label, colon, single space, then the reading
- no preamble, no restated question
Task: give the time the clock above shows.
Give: 10:33
